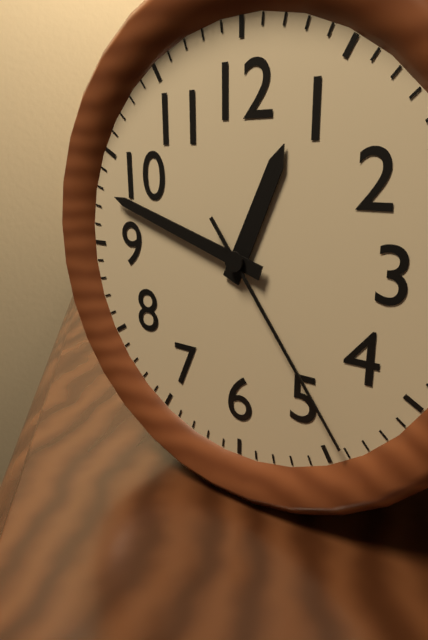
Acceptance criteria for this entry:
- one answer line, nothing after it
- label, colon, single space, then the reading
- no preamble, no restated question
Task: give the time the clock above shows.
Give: 12:48:24
